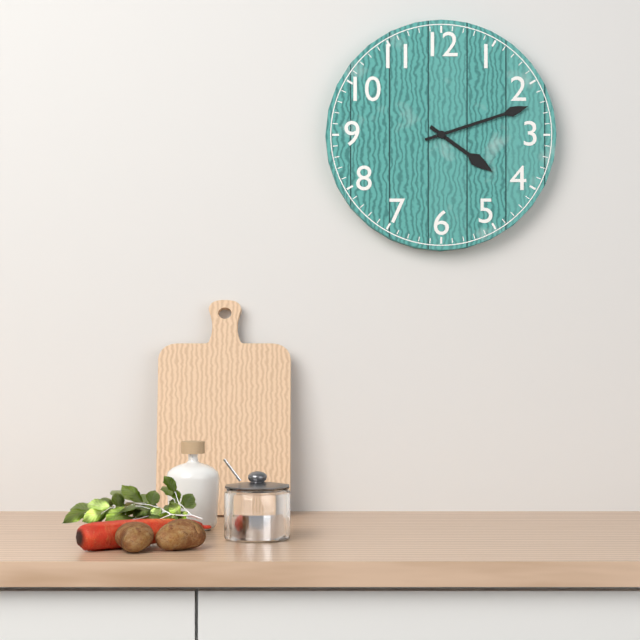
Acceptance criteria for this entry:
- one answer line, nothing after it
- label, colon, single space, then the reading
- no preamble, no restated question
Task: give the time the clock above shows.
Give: 4:12
